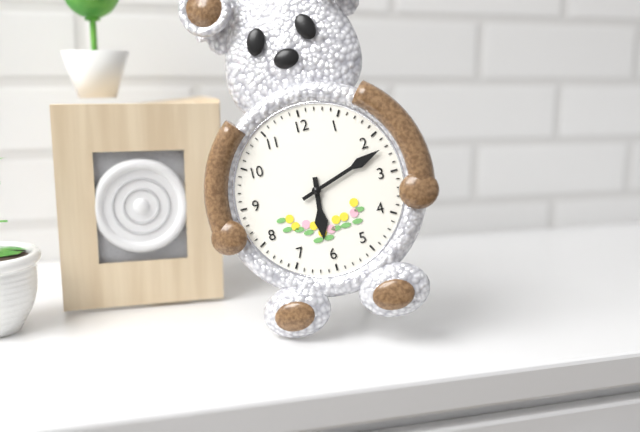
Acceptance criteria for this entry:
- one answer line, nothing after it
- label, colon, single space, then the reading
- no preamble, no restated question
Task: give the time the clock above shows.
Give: 6:12
